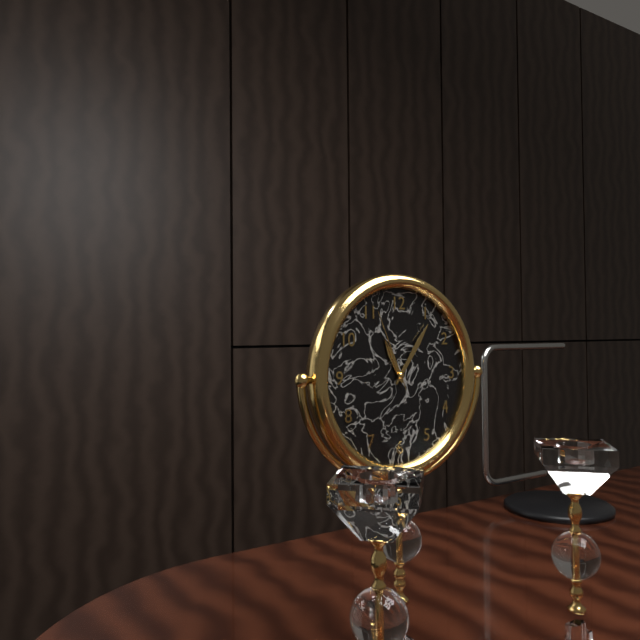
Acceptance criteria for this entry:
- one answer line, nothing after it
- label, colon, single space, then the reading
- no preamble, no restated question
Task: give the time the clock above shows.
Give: 11:06:56
